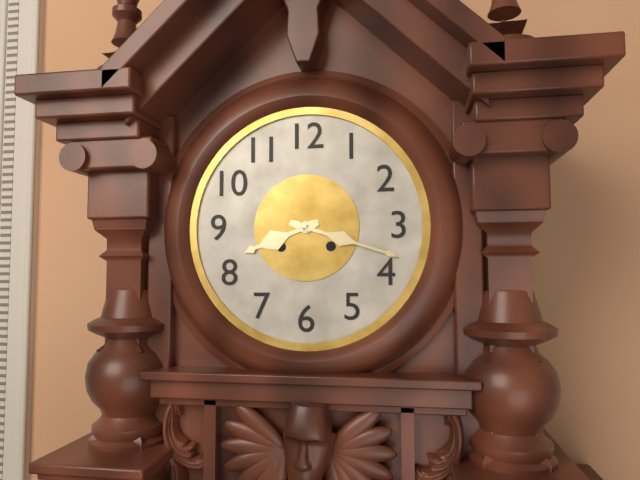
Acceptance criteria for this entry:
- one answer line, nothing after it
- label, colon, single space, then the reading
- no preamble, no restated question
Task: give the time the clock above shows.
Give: 8:18
